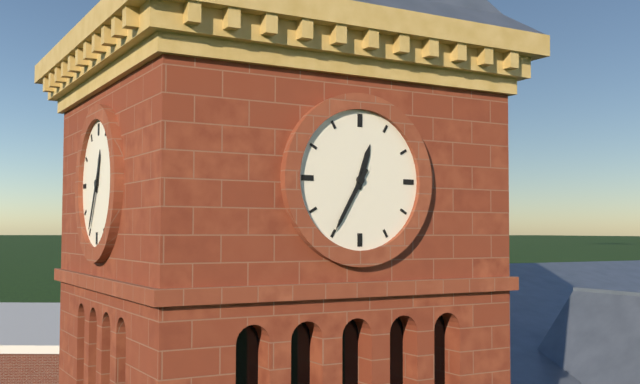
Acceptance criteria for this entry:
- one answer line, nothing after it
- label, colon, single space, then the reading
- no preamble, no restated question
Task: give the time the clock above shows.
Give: 12:35
